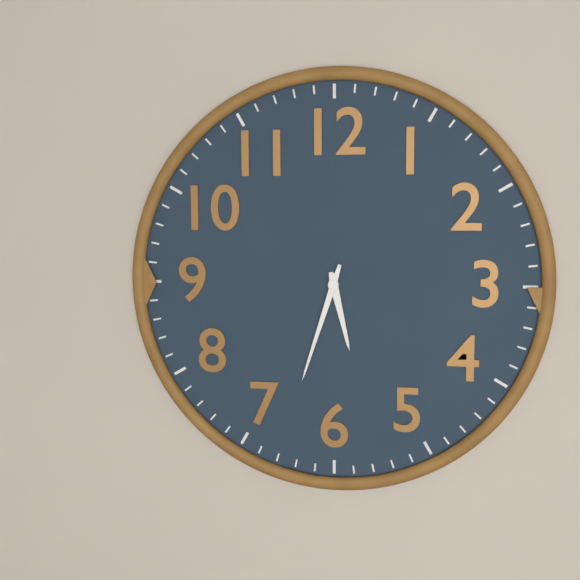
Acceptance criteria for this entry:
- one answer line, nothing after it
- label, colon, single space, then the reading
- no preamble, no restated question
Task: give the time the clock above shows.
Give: 5:33
